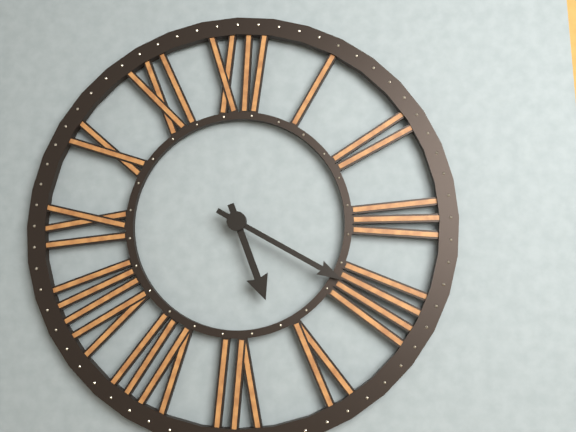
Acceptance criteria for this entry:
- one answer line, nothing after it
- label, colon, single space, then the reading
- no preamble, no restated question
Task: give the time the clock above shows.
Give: 5:20
